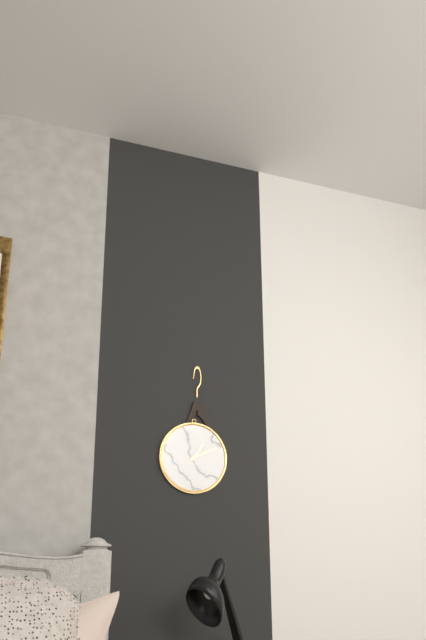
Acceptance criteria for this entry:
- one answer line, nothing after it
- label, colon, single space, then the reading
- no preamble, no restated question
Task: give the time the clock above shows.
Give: 1:11
